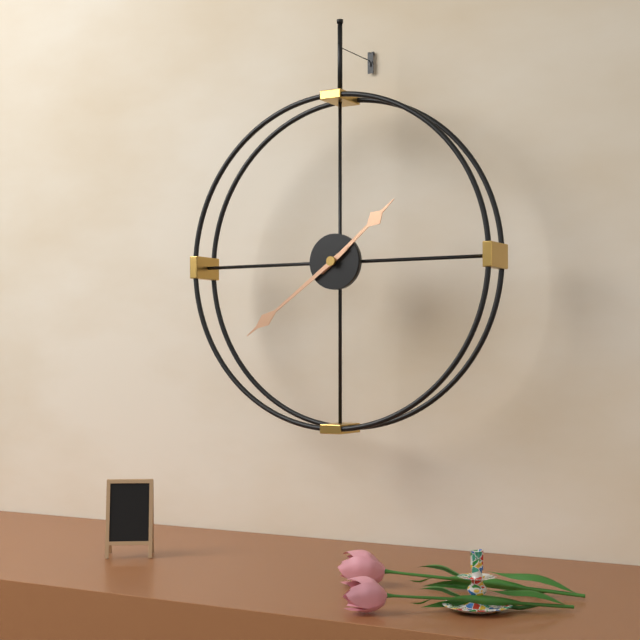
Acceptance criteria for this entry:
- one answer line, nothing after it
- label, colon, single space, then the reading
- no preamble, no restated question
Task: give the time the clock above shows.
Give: 1:39
